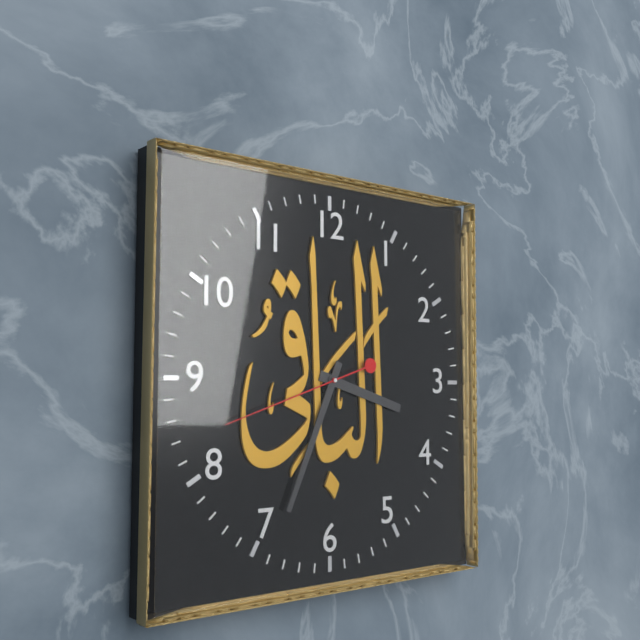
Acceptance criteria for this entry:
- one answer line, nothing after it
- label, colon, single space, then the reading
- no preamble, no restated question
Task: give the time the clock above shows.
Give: 3:34:42
